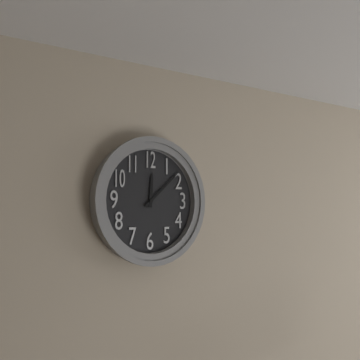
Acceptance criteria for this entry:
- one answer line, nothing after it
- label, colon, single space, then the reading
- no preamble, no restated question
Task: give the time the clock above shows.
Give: 12:08
